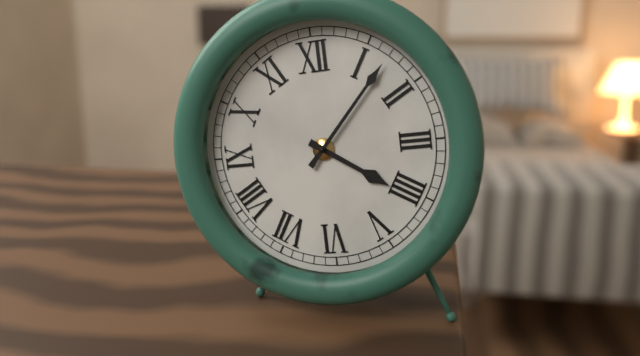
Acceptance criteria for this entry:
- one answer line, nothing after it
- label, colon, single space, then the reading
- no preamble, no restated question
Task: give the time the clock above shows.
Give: 4:07
